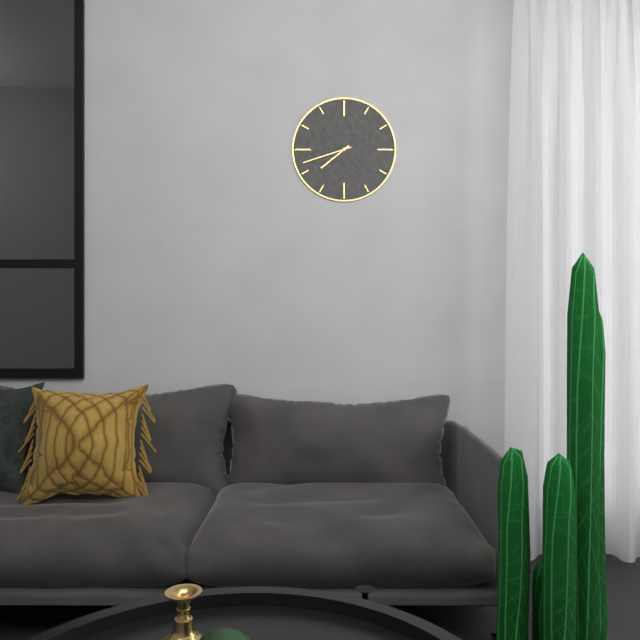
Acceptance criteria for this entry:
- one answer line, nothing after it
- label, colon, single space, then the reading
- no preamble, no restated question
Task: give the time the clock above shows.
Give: 7:42
